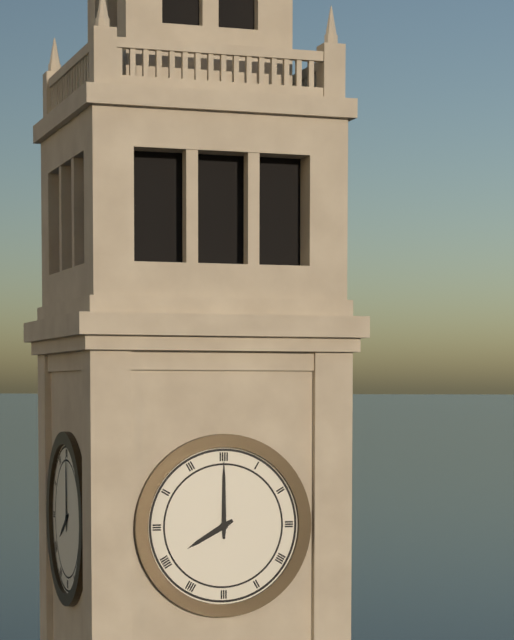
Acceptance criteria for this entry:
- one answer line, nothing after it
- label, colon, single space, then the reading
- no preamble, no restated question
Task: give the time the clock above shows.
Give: 8:00
